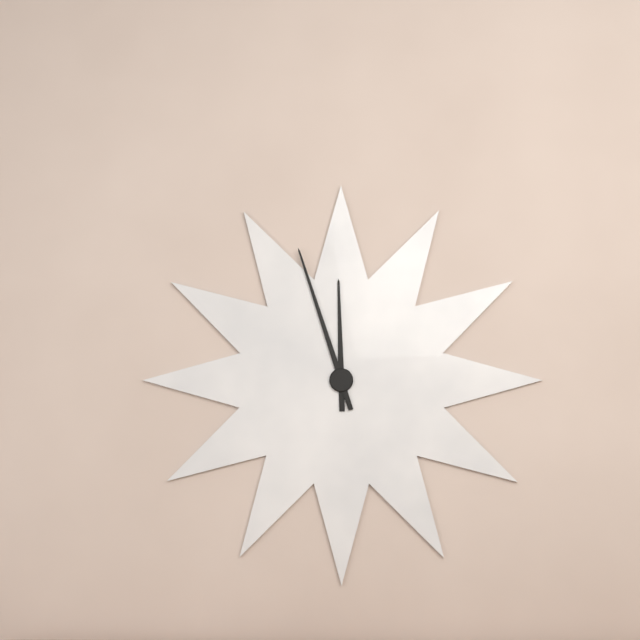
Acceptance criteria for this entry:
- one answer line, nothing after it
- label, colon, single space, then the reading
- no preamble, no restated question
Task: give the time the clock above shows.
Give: 11:57
